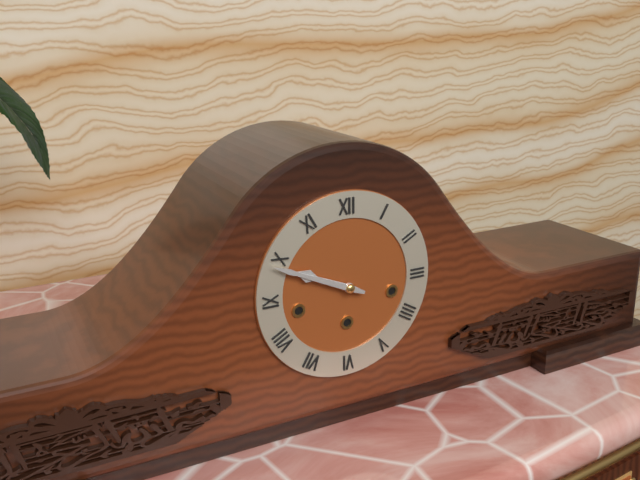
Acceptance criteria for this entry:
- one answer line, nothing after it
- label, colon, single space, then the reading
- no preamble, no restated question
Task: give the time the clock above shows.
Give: 9:49
